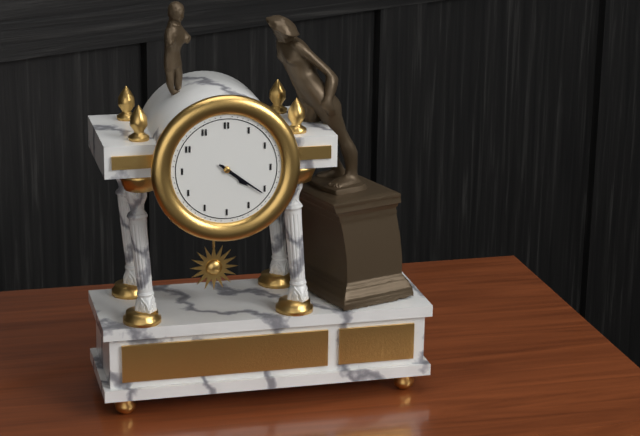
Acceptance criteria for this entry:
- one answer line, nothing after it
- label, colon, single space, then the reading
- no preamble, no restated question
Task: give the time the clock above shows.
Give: 4:21
